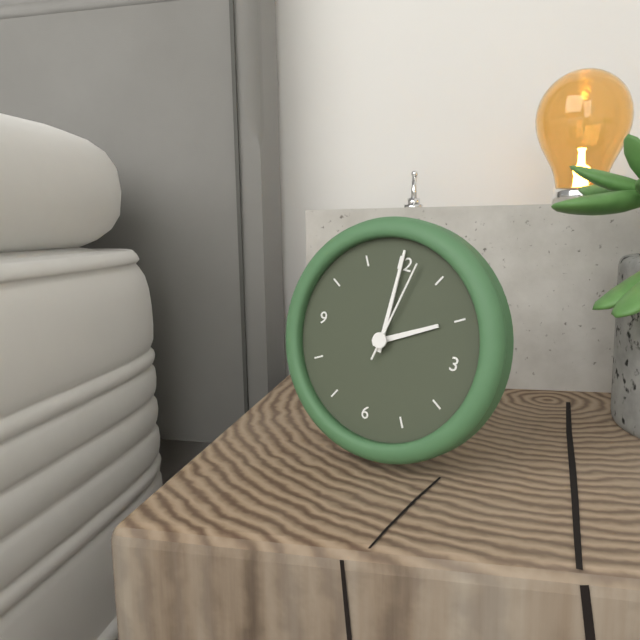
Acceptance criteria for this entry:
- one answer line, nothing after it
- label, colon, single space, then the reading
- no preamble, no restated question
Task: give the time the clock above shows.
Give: 2:00:02
